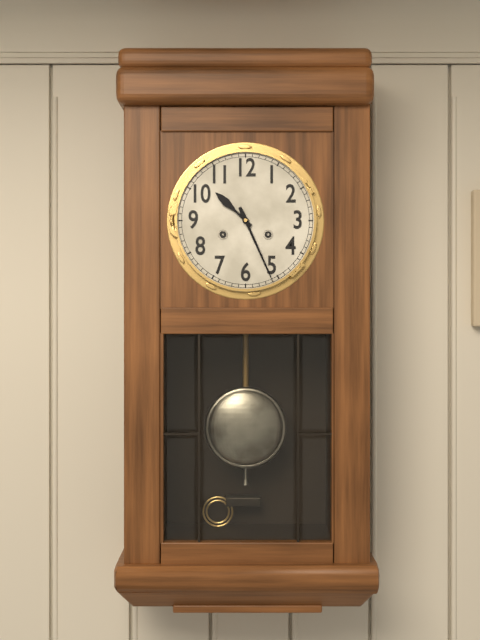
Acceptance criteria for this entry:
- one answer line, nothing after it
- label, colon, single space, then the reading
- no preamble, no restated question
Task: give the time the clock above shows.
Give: 10:26
